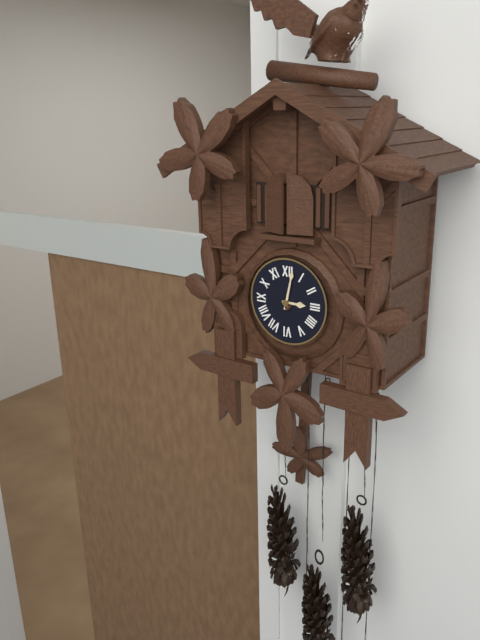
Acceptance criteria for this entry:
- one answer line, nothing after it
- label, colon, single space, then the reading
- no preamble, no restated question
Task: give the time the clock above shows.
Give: 3:02
